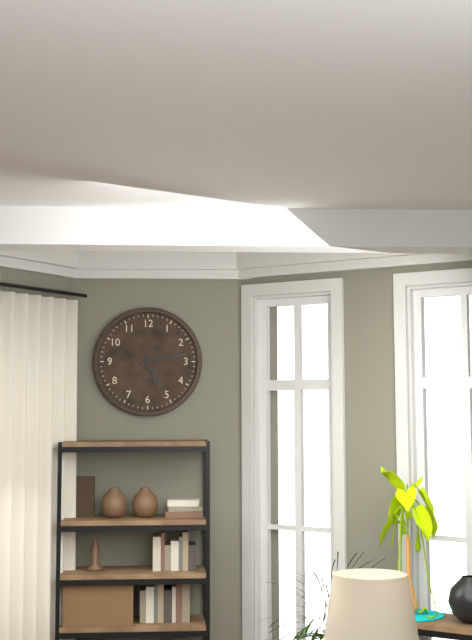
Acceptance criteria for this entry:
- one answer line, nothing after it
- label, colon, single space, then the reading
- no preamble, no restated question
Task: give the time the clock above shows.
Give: 5:13
